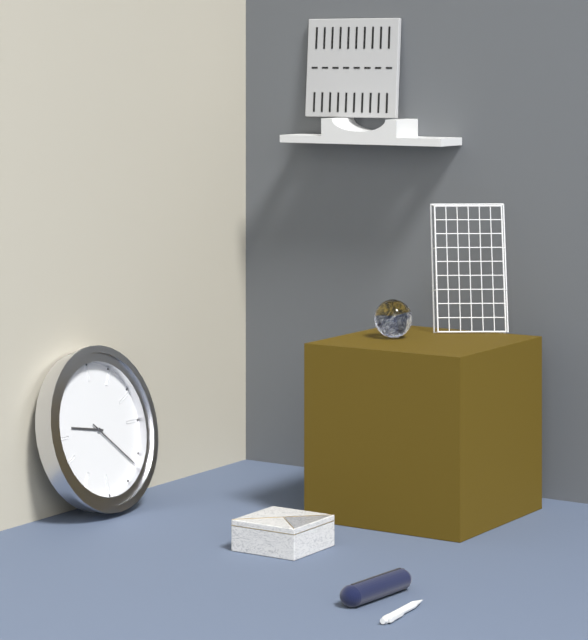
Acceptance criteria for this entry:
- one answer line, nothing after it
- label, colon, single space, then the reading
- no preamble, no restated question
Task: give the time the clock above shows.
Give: 9:22
